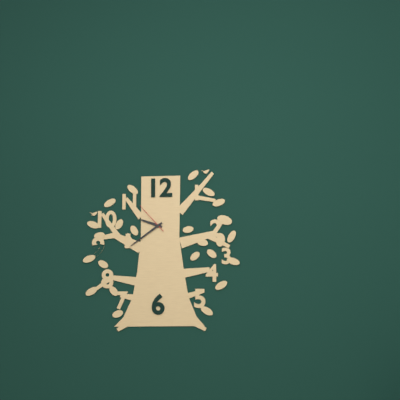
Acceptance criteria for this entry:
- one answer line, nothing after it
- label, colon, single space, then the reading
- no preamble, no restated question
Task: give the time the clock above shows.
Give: 9:39
